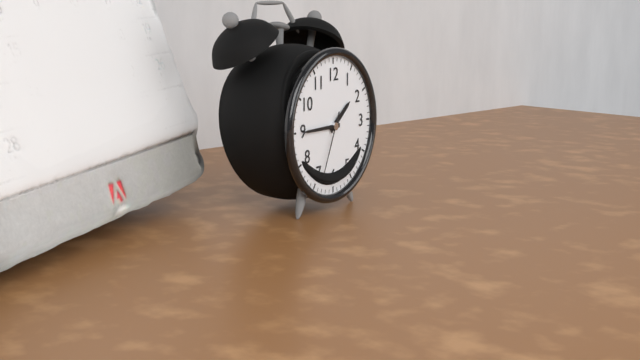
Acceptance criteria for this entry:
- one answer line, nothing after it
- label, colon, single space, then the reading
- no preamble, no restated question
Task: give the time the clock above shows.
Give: 1:45:34
